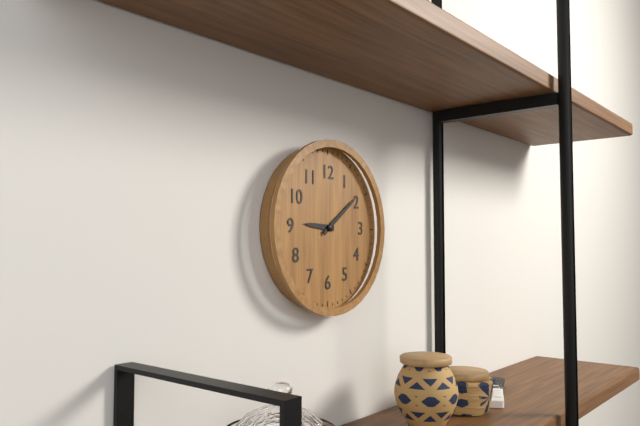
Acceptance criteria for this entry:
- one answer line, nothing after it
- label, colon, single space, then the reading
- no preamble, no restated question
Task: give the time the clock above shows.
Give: 9:09
